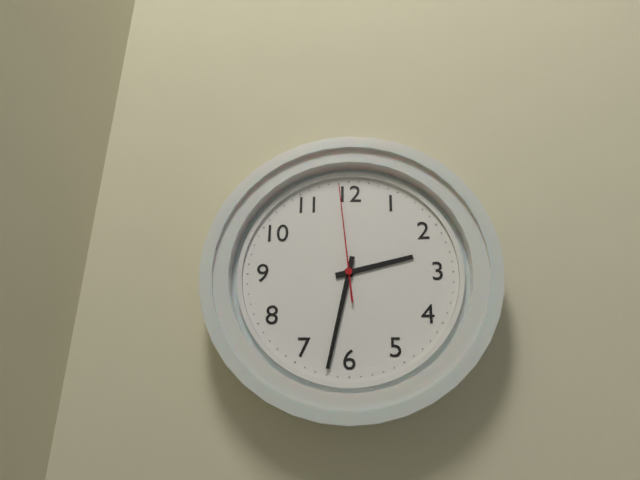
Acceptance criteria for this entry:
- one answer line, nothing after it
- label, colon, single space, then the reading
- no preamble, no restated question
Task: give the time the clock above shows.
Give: 2:32:59
